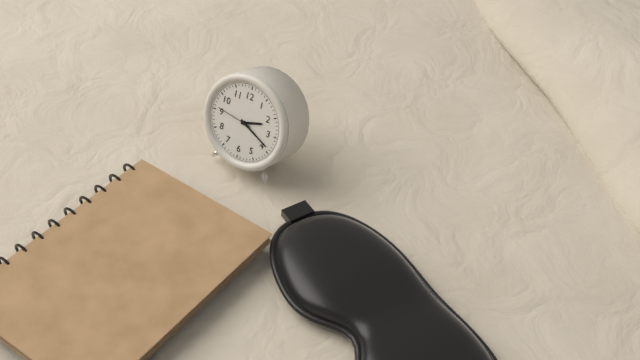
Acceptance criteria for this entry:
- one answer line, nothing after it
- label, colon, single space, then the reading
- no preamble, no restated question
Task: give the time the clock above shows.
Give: 2:19
